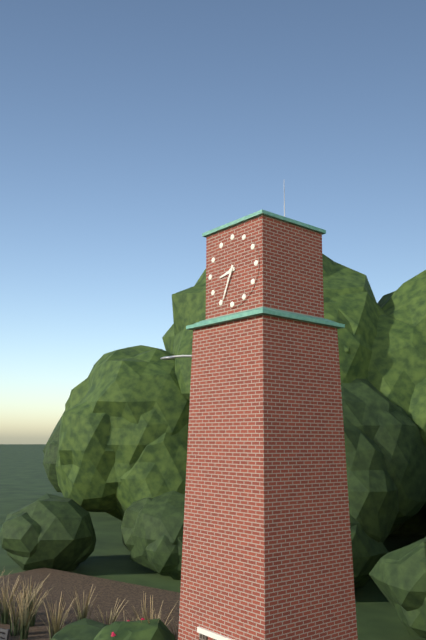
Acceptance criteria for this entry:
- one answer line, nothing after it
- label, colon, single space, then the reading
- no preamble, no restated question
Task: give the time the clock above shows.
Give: 8:34
